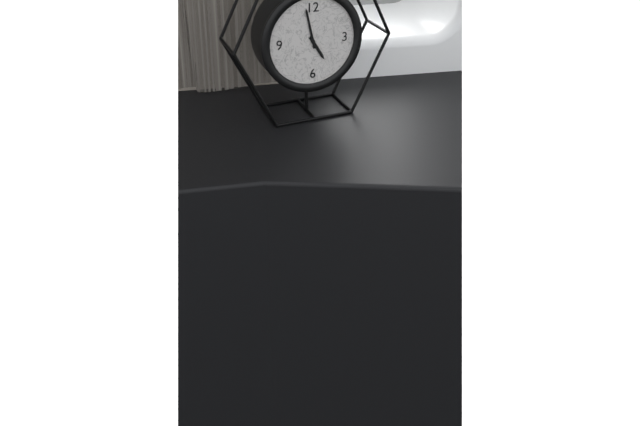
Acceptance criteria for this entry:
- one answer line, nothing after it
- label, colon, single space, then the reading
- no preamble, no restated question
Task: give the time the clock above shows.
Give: 4:58
